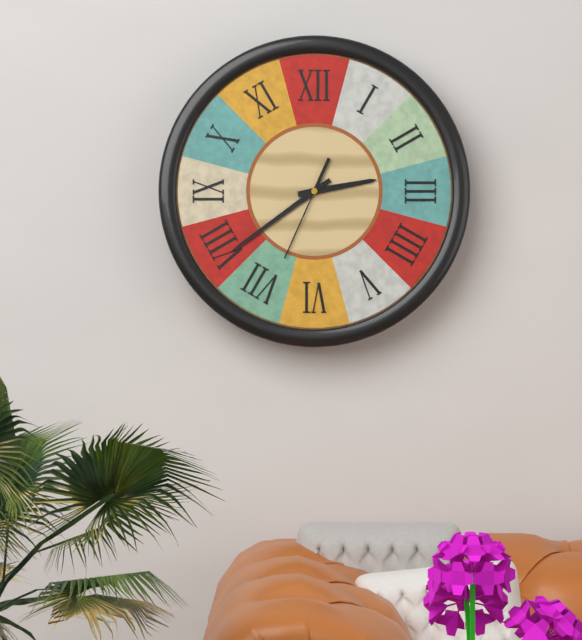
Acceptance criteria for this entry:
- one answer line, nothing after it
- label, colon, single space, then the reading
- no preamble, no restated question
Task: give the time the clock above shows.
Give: 2:39:34
